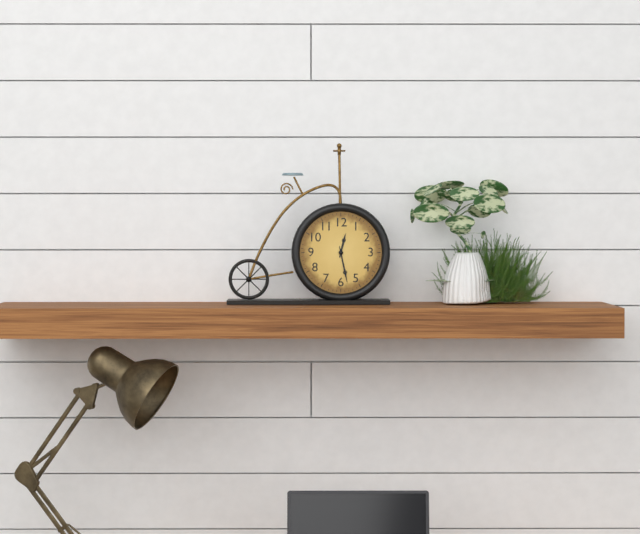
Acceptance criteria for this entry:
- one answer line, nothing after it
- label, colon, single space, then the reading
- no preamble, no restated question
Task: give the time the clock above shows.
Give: 12:28
